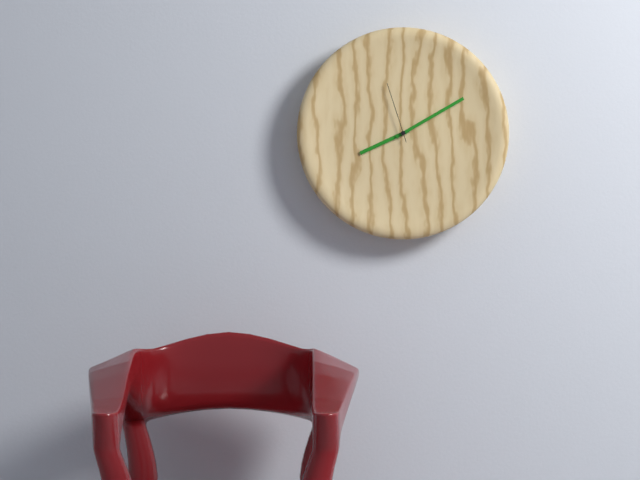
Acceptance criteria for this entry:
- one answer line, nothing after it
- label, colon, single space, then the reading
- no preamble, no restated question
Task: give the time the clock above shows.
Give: 8:10:57
